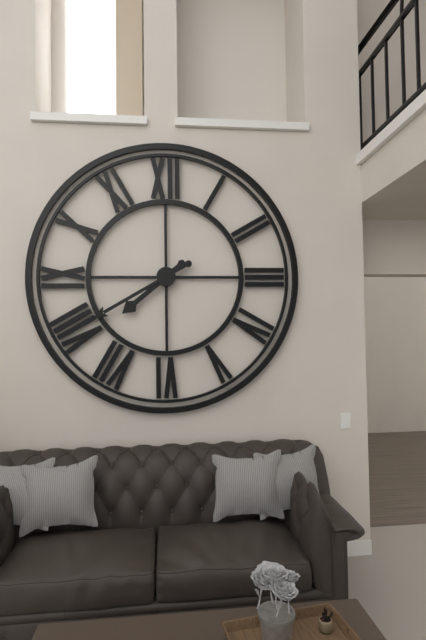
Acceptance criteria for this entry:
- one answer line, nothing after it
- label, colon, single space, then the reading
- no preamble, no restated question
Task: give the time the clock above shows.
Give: 7:40
